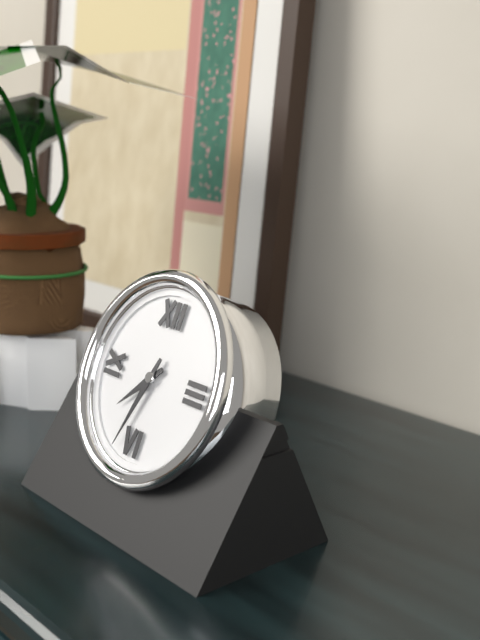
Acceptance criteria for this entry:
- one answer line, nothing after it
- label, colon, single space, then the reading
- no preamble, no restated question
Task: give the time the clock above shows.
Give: 7:33
